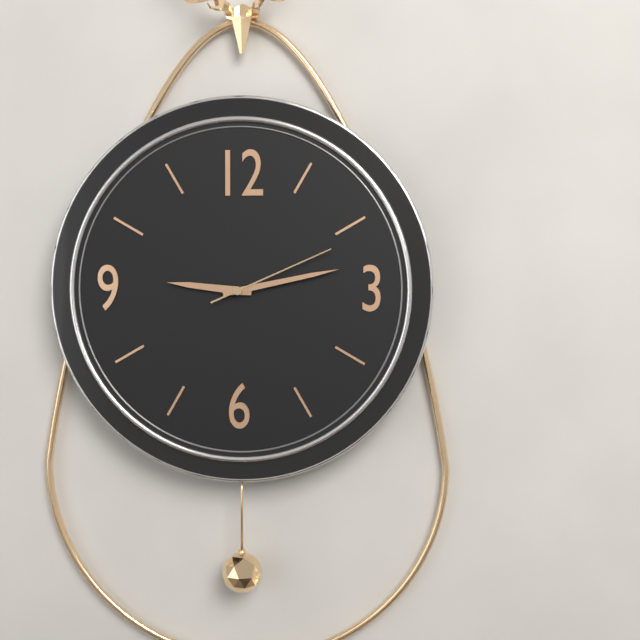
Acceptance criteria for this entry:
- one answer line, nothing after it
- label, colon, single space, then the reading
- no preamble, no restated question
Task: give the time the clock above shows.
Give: 9:13:11
